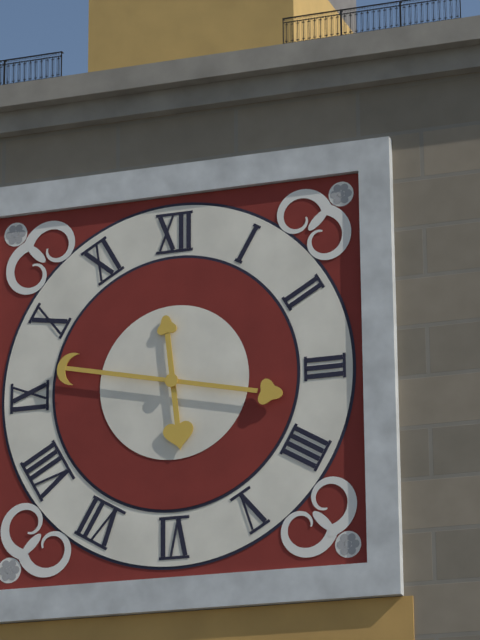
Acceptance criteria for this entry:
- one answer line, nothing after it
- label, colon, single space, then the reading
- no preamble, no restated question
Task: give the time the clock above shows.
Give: 5:47
